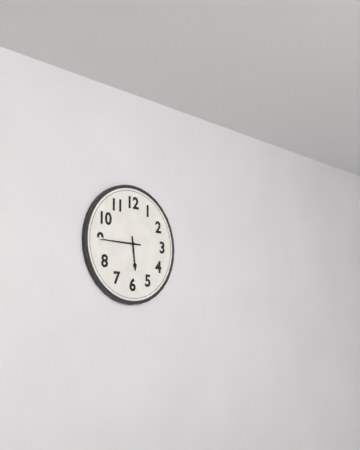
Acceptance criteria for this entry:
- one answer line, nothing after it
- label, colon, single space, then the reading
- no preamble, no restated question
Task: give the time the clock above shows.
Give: 5:45
